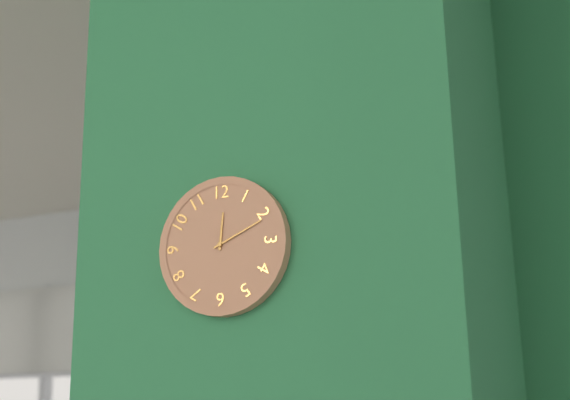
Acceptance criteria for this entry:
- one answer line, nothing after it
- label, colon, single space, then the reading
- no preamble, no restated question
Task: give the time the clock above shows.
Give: 12:11
